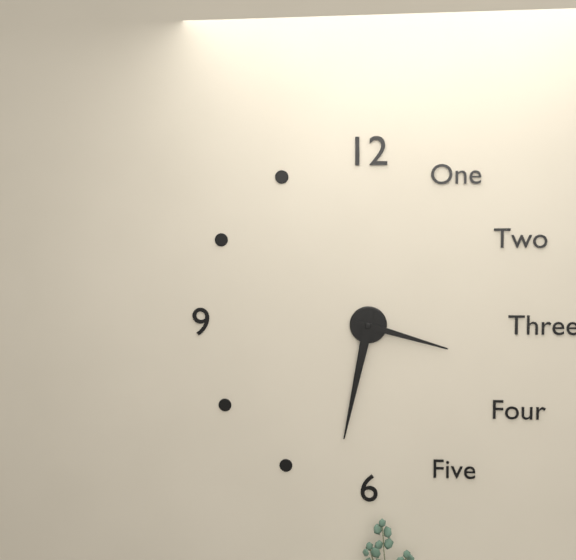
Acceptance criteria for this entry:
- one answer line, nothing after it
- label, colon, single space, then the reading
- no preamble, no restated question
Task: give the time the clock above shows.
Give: 3:32
